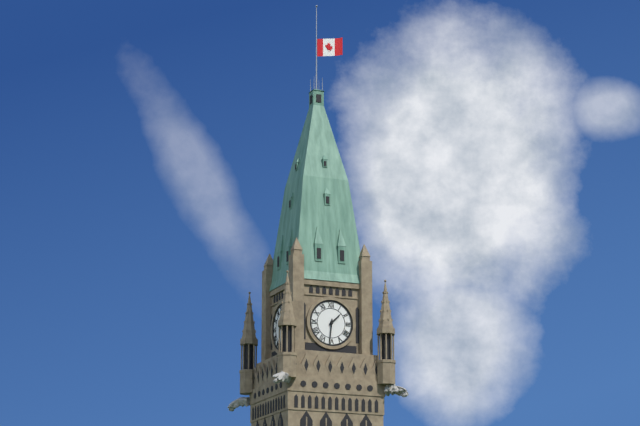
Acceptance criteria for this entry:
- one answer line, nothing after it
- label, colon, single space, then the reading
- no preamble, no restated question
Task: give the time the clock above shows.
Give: 1:31
